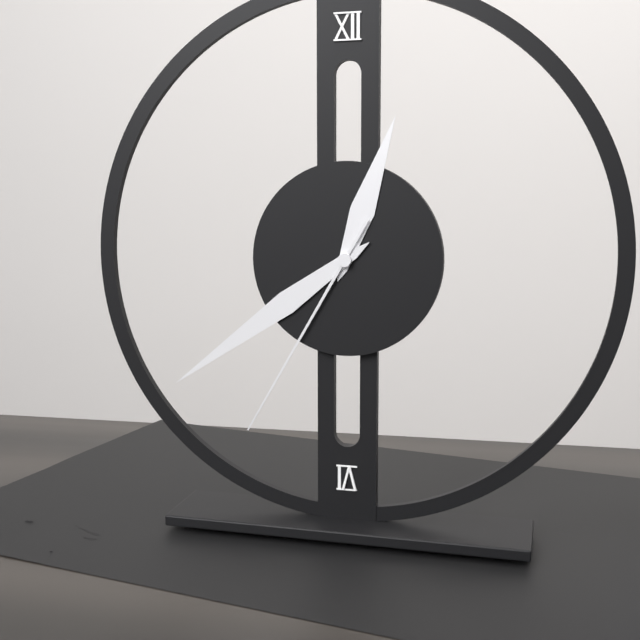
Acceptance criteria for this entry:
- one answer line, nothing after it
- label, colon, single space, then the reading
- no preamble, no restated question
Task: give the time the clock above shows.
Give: 12:39:35
